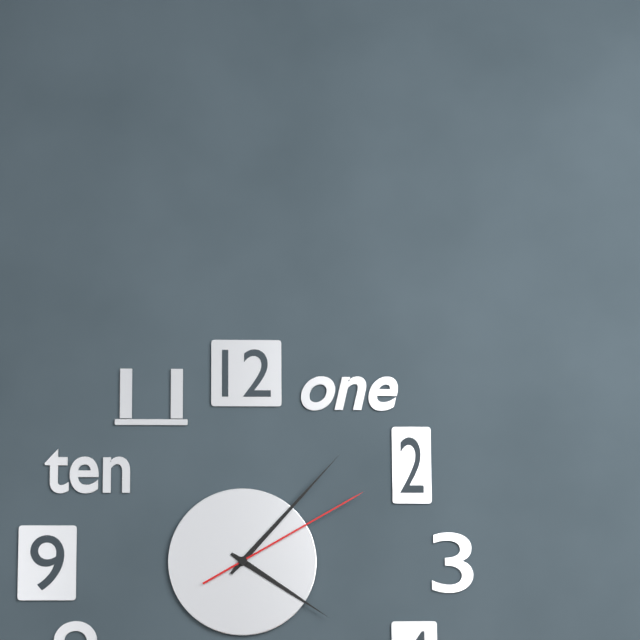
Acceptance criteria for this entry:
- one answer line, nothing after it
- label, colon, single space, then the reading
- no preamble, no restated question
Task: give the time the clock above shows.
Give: 4:07:10
